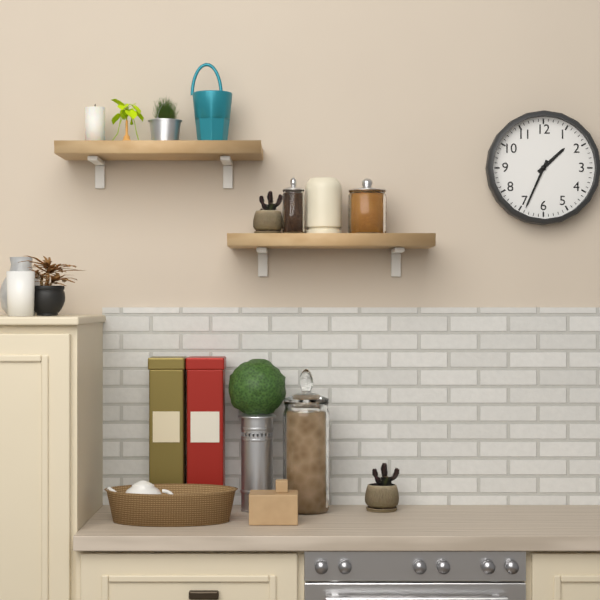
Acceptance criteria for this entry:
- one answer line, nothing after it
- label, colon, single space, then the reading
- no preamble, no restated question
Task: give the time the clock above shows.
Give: 1:34
